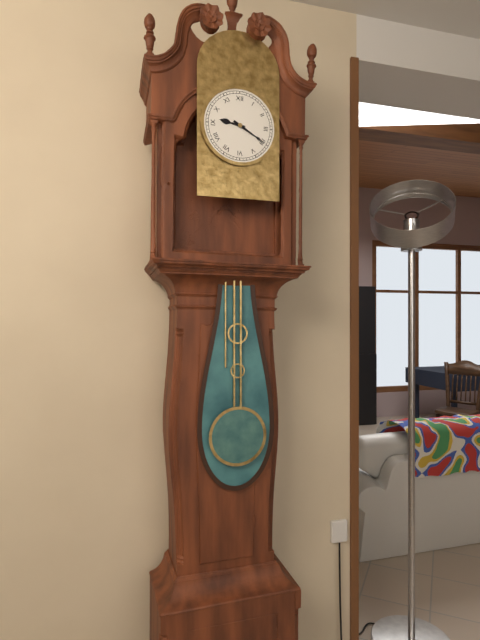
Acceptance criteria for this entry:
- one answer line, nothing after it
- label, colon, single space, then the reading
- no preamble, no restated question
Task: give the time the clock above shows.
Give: 9:20
